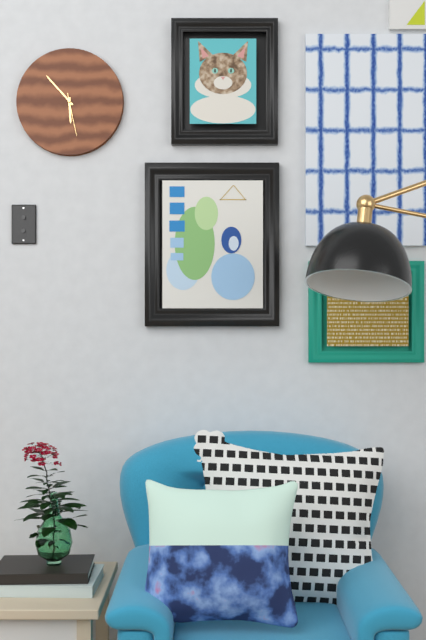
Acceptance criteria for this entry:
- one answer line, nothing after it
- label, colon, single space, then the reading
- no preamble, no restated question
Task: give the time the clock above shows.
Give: 5:53
